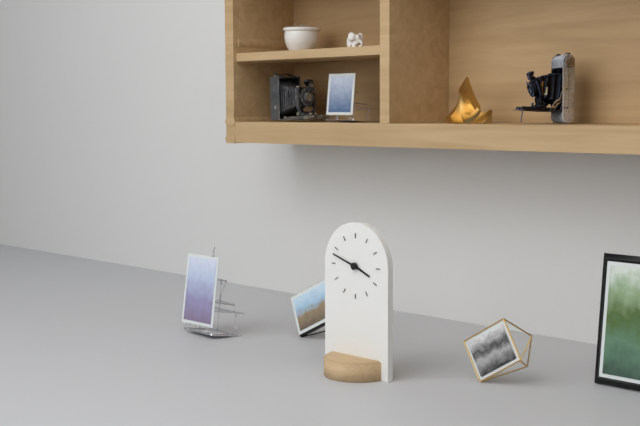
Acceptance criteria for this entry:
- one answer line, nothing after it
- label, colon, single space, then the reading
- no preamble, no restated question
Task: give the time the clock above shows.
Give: 3:48
